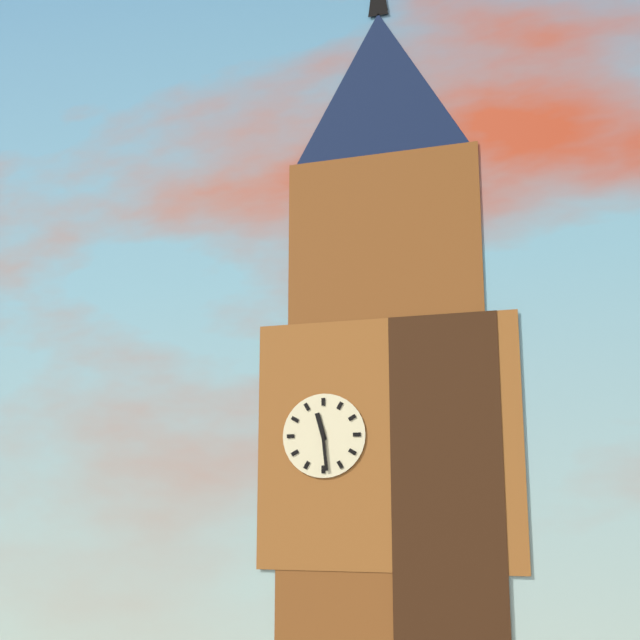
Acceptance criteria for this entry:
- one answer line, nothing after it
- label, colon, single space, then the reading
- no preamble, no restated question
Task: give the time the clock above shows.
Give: 11:29
